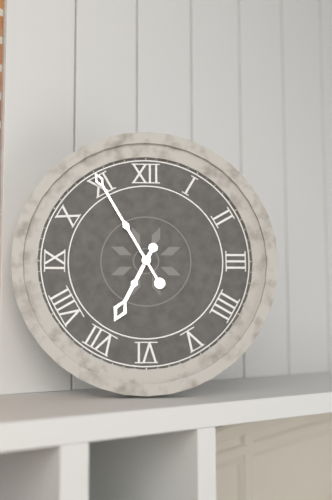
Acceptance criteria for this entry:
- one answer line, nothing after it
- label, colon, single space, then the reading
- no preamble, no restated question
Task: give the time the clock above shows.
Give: 6:55
